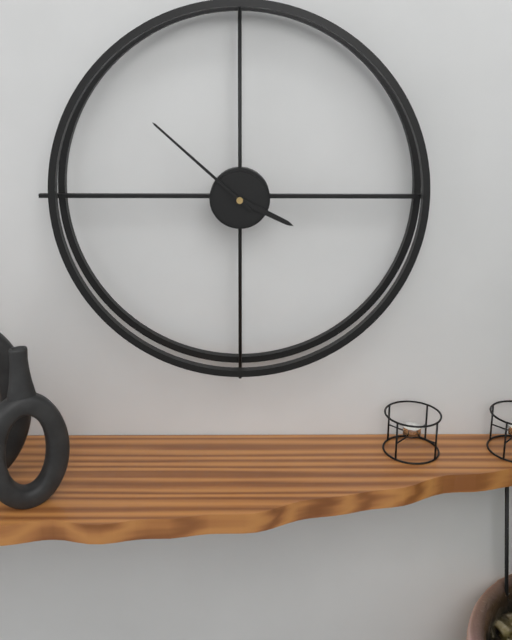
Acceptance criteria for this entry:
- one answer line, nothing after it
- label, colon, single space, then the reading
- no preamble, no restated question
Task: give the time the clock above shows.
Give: 3:52
